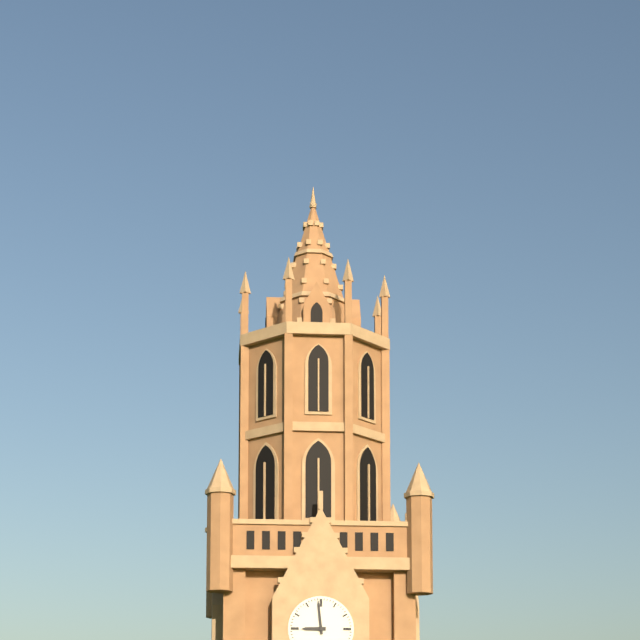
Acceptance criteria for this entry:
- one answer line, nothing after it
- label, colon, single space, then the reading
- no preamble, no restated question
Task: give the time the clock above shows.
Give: 8:59
